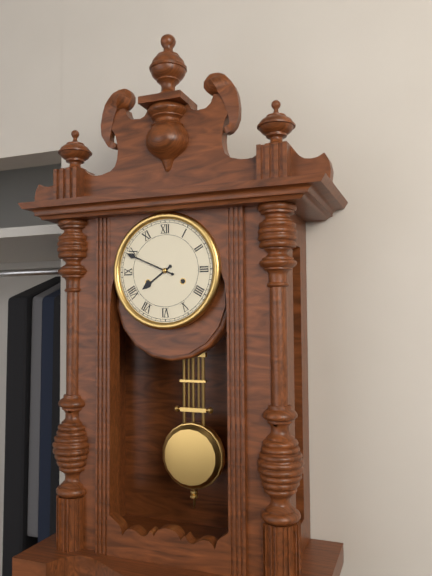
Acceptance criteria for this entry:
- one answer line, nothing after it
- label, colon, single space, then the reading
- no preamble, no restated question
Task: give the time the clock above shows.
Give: 7:49
